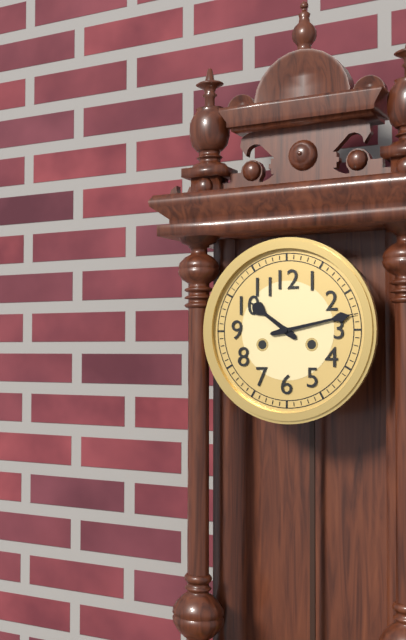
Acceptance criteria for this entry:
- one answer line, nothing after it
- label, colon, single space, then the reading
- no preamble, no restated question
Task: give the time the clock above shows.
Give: 10:13
